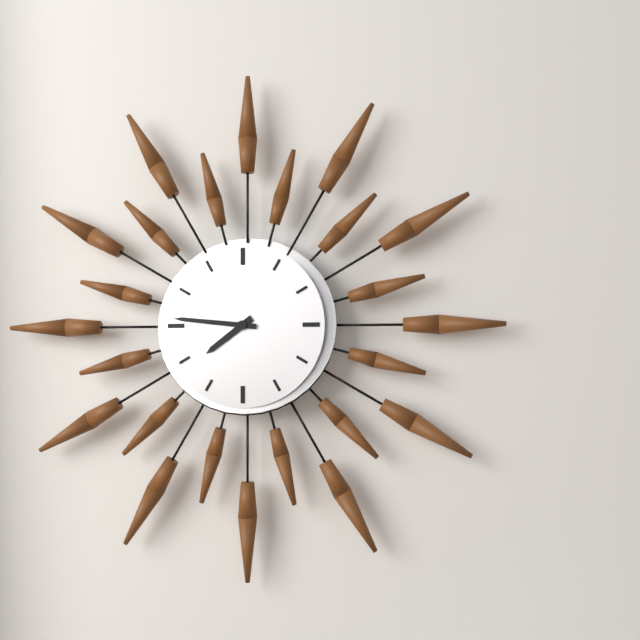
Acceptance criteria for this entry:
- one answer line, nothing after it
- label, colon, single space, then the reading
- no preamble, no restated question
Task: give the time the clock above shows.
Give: 7:46
